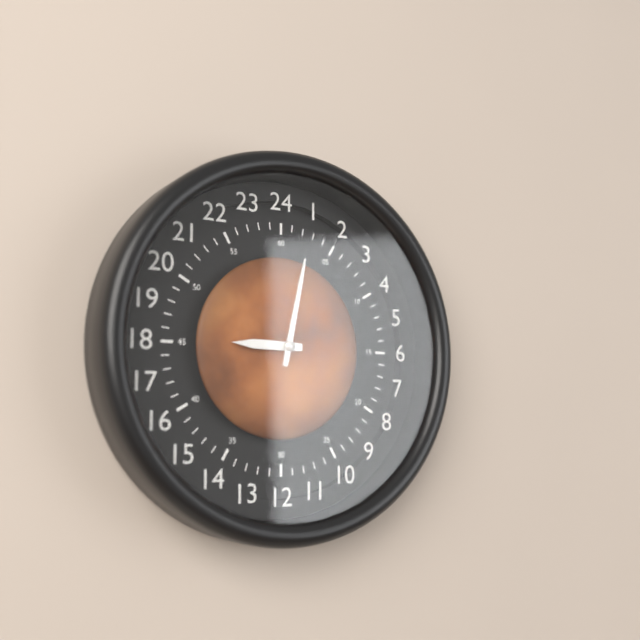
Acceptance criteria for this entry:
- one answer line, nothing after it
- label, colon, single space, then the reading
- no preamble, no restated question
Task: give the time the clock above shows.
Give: 9:02
